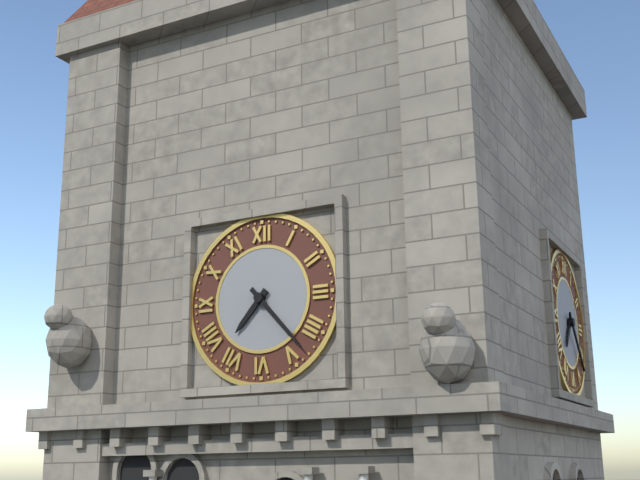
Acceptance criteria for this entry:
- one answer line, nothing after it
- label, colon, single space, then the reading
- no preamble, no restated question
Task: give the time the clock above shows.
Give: 7:23
